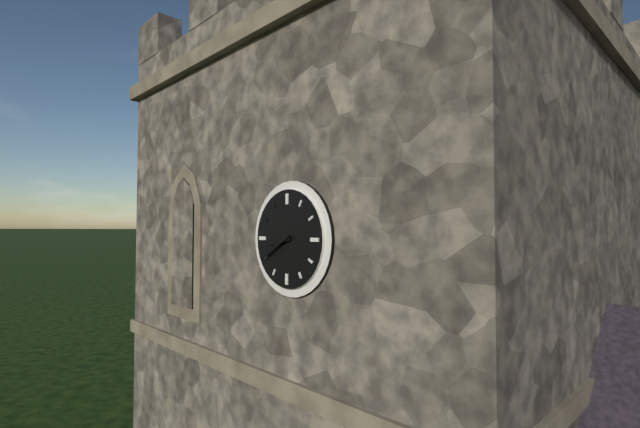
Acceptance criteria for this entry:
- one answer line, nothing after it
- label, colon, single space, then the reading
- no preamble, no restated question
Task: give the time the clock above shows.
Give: 8:40
